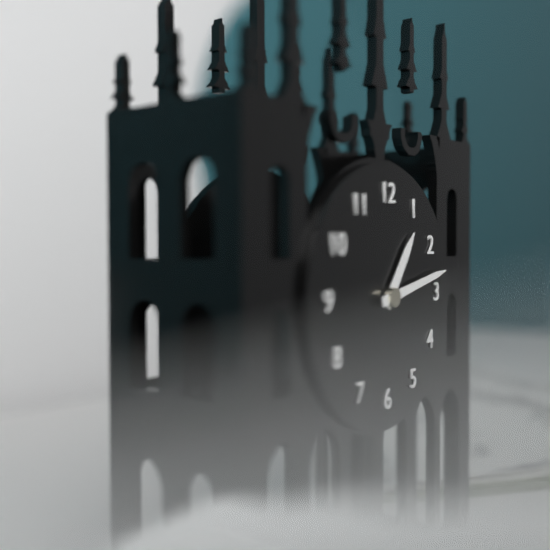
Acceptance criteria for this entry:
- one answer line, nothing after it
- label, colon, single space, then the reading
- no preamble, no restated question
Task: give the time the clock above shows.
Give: 1:13
